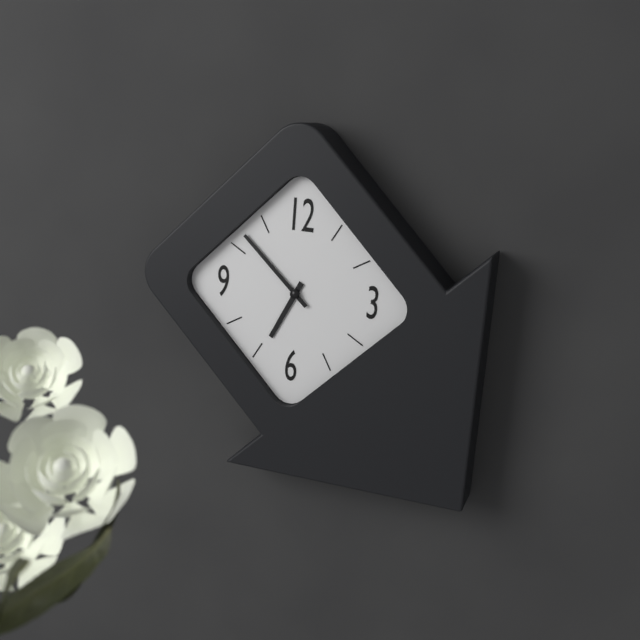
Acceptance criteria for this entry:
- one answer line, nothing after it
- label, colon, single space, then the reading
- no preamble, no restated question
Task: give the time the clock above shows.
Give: 6:52
